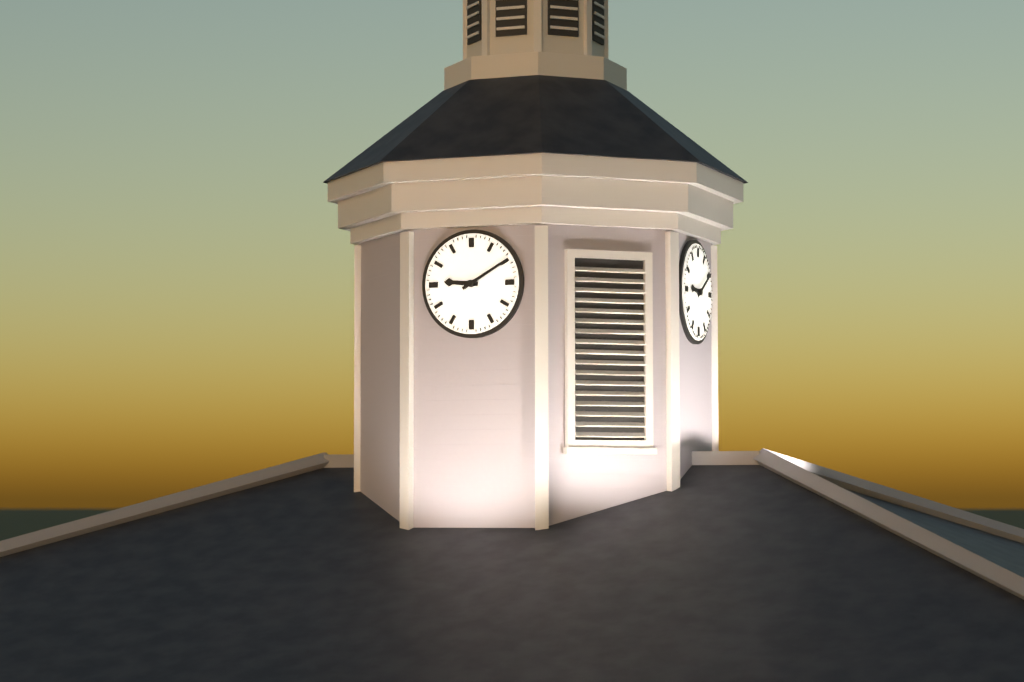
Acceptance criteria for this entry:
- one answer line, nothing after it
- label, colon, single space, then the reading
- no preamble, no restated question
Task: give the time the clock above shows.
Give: 9:10
